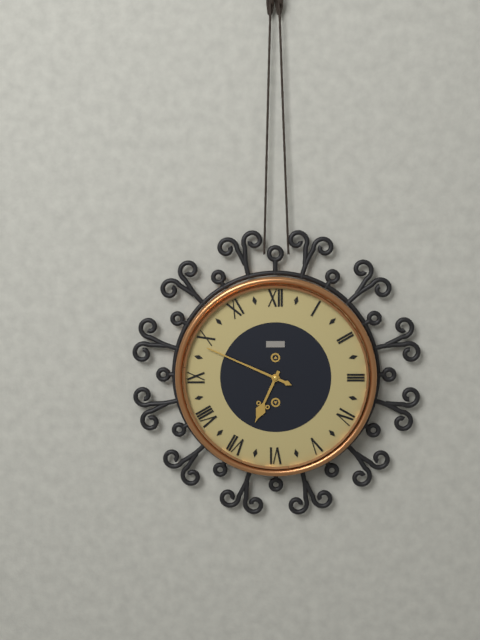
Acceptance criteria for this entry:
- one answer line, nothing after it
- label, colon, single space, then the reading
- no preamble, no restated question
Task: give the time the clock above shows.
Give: 6:49
